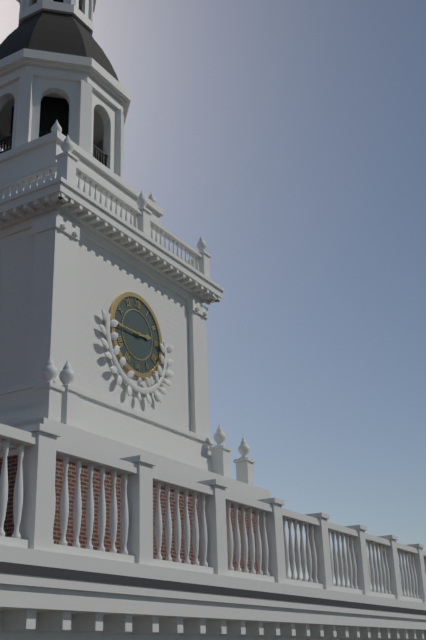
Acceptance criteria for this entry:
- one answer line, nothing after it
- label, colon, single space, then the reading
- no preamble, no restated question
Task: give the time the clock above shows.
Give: 2:45
